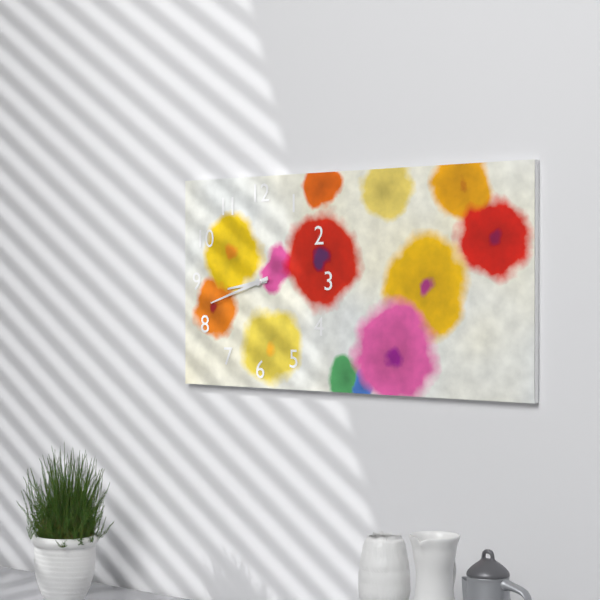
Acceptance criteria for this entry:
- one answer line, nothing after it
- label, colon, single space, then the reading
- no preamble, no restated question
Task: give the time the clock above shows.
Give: 8:42
